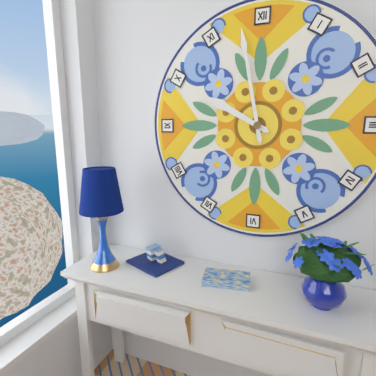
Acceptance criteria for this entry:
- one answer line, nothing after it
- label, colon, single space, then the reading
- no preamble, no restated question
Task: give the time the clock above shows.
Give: 9:58
